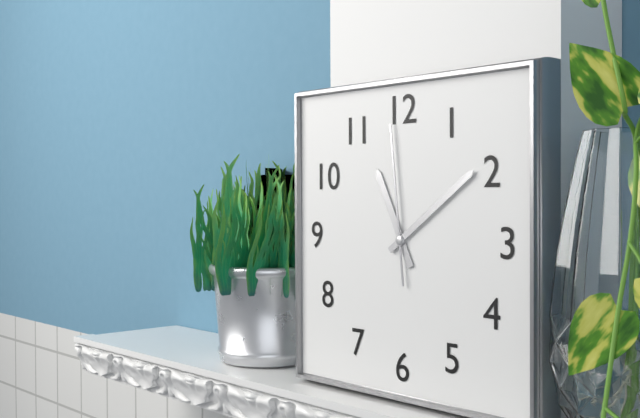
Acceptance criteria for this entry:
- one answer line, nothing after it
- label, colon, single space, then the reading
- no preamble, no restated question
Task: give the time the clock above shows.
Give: 11:09:59
